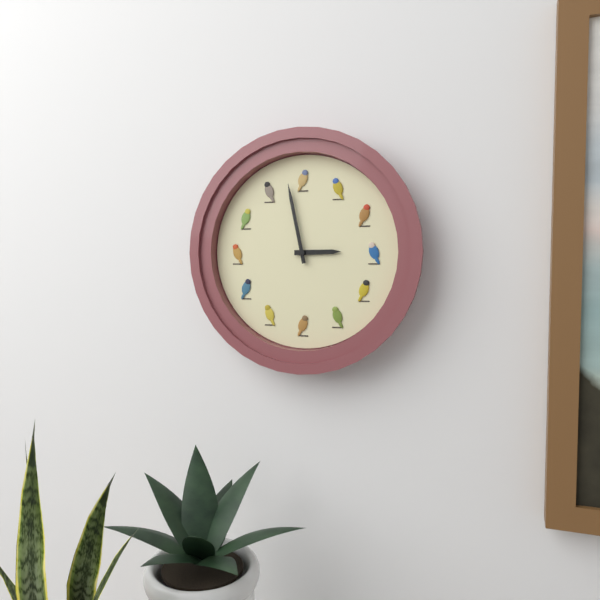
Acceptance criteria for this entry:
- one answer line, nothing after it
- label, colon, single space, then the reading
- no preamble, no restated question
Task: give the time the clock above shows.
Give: 2:58
